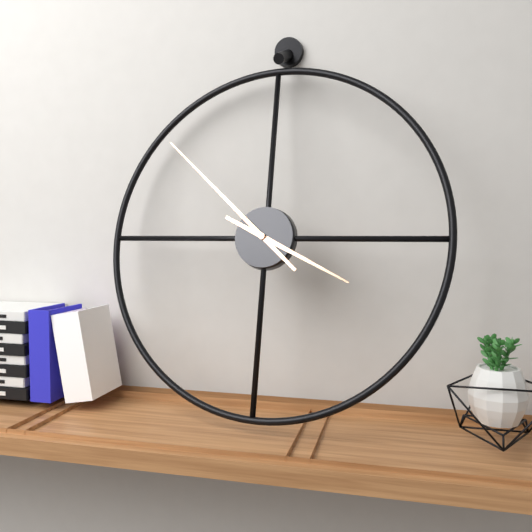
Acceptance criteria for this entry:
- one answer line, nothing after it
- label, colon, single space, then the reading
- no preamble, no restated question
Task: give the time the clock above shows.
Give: 3:52
